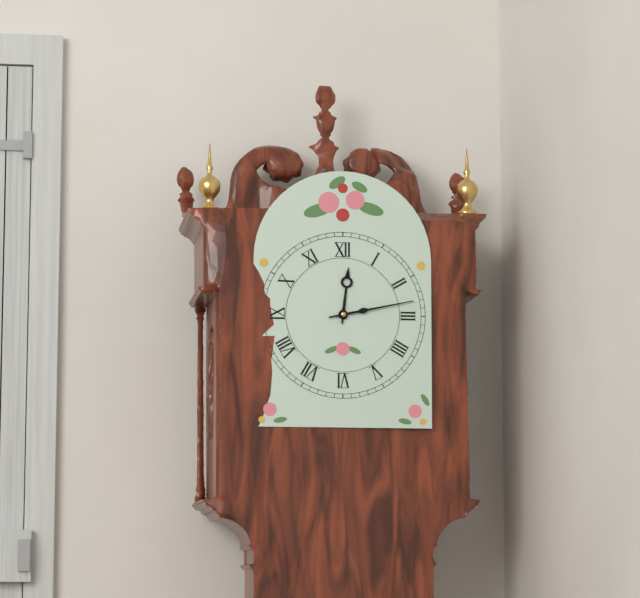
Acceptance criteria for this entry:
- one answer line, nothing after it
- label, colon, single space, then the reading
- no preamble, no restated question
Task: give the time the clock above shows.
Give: 12:13
